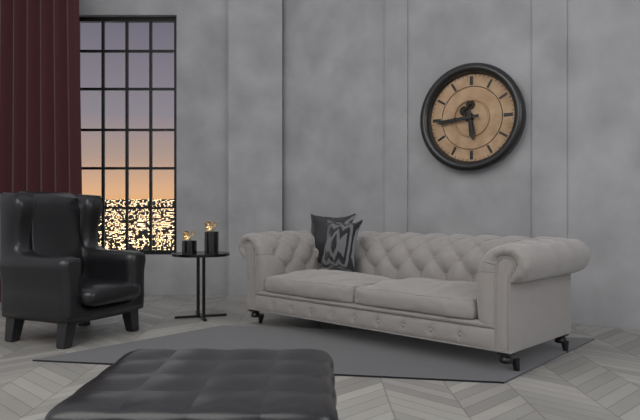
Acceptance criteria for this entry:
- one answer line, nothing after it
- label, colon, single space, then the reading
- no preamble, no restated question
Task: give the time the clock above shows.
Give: 5:44
